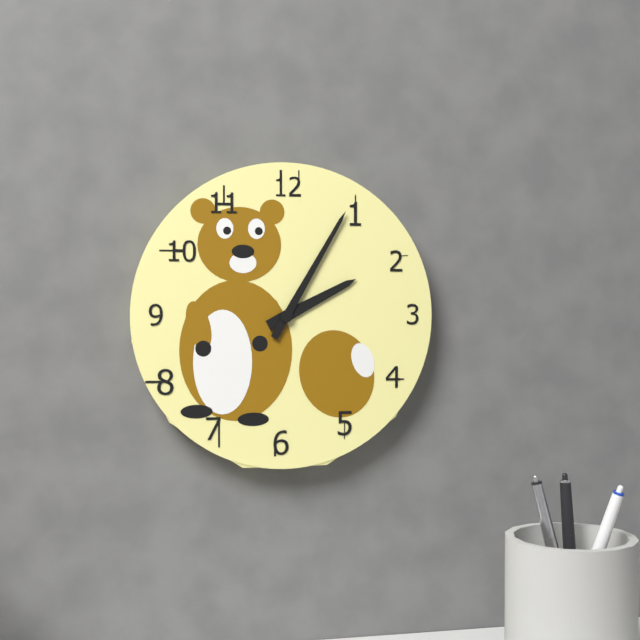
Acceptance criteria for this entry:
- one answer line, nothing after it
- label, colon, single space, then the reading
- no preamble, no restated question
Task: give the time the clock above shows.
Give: 2:05
